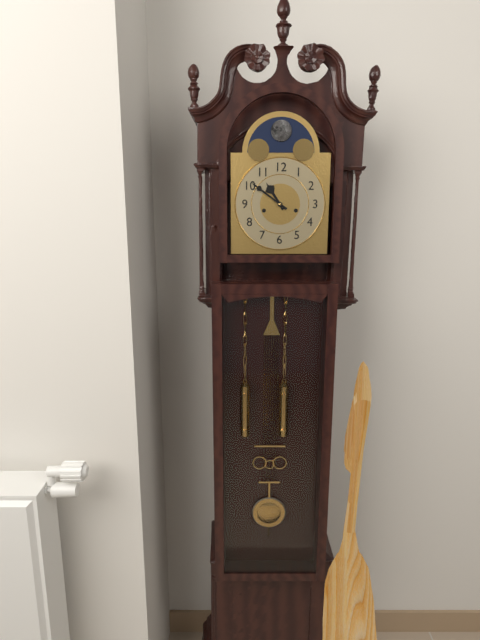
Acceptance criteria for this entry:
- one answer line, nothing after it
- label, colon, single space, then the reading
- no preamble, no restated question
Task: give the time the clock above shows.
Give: 10:51
